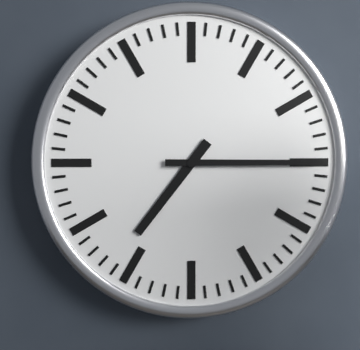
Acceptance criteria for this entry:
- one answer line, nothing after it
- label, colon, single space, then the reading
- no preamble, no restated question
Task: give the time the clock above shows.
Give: 7:15
